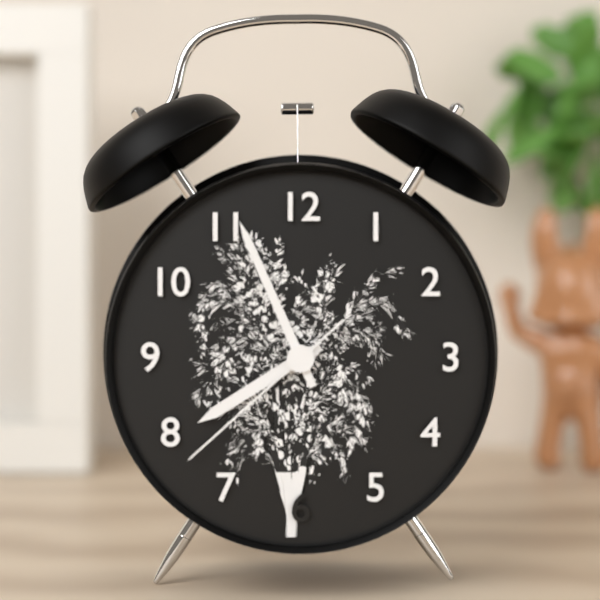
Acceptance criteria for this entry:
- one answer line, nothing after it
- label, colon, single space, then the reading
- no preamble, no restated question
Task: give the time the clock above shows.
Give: 7:56:38
